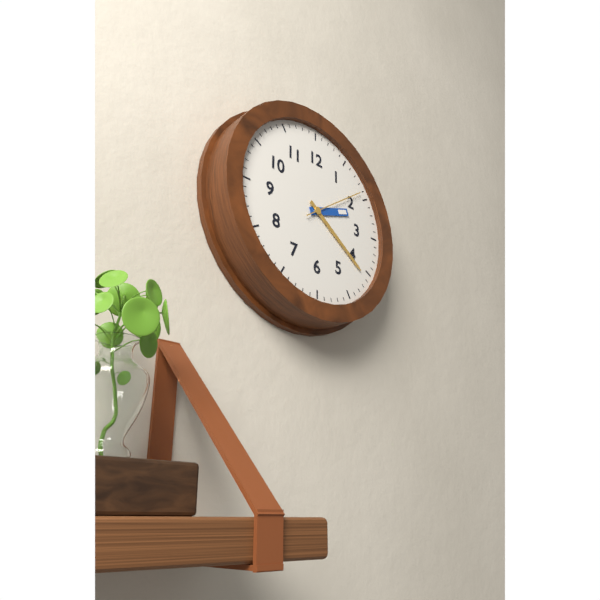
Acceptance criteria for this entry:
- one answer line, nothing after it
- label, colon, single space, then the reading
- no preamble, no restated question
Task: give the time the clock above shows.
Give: 2:21:09
